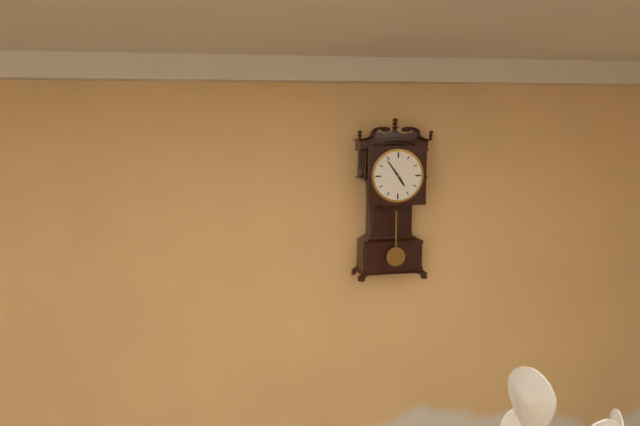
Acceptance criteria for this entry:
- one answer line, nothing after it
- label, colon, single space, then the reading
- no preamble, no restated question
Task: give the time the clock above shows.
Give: 4:54
